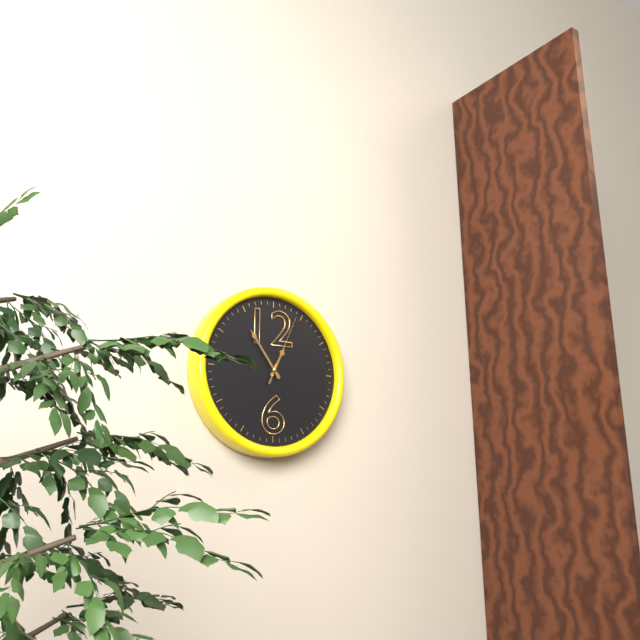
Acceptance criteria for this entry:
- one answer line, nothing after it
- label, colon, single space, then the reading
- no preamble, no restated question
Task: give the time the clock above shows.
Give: 12:54:04
